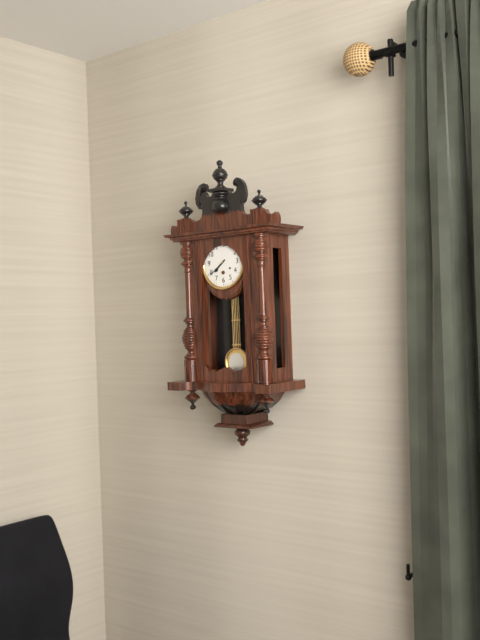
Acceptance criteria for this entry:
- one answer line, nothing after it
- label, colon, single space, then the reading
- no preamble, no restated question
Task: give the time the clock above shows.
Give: 7:39
